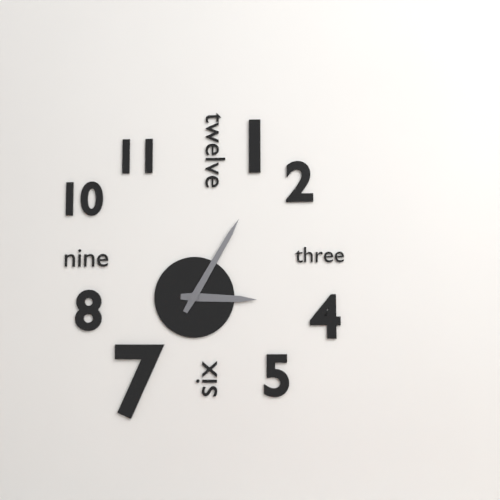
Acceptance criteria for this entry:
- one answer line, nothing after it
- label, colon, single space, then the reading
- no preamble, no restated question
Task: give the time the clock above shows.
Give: 3:05
